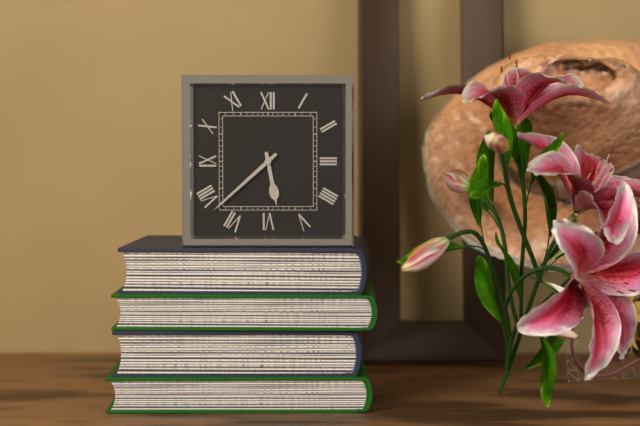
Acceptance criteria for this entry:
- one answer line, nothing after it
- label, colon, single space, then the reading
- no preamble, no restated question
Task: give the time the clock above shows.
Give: 5:38
